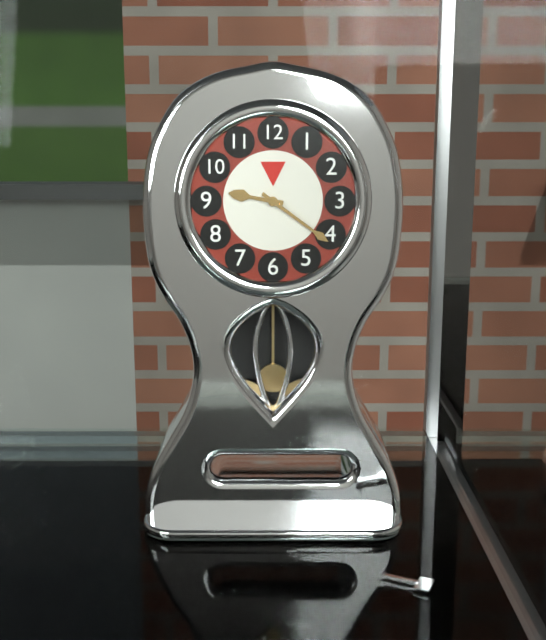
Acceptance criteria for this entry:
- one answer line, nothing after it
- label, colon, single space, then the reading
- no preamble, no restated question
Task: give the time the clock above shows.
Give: 9:21
